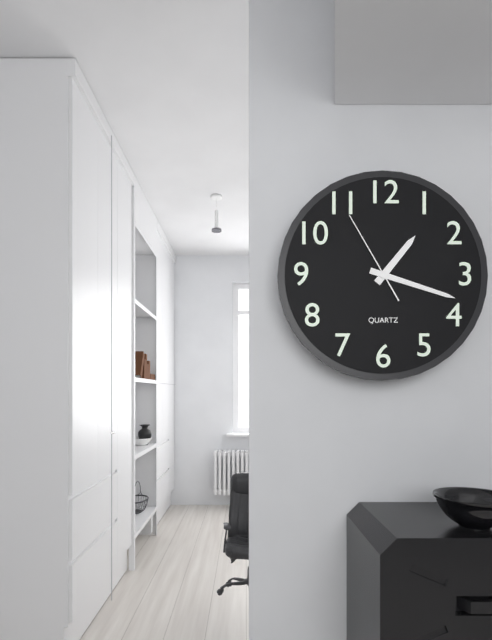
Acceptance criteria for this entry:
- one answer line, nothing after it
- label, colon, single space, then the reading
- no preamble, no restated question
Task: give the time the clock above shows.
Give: 1:18:55
